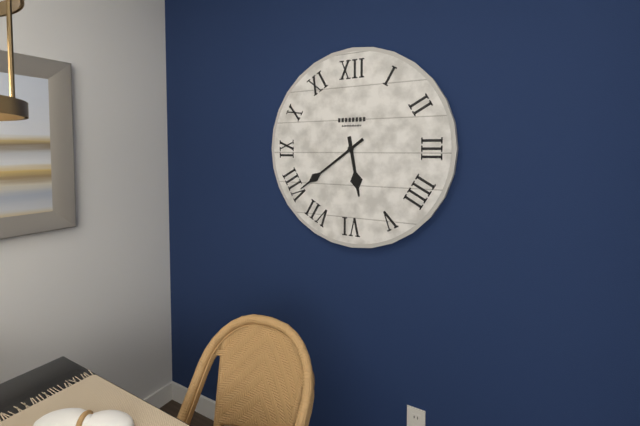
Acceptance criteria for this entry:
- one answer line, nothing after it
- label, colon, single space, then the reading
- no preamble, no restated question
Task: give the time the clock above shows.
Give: 5:39
